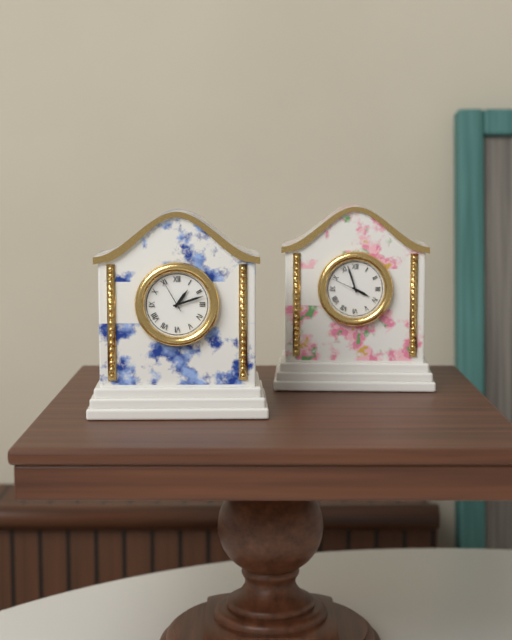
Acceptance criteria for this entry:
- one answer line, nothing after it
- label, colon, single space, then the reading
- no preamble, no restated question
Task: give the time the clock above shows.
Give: 1:12
